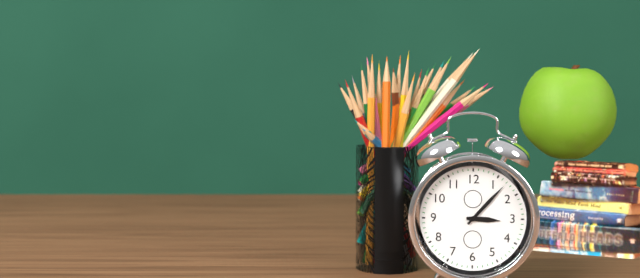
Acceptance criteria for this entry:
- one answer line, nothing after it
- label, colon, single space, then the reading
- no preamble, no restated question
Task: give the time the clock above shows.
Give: 3:07
